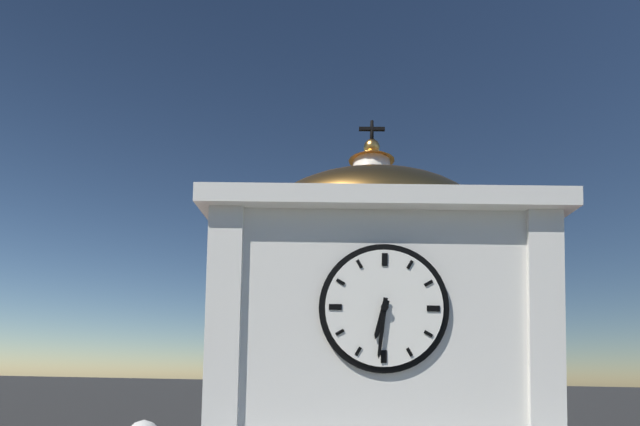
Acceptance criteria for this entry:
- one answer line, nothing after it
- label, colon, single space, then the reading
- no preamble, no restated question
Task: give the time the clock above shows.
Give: 6:31
